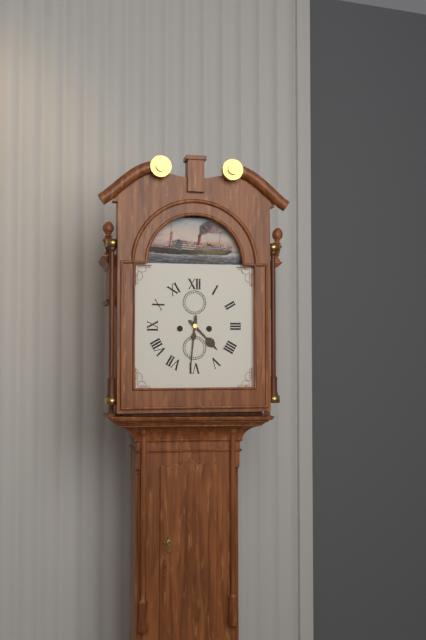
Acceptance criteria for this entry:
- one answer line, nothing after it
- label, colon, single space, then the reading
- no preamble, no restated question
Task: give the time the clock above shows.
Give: 4:31
